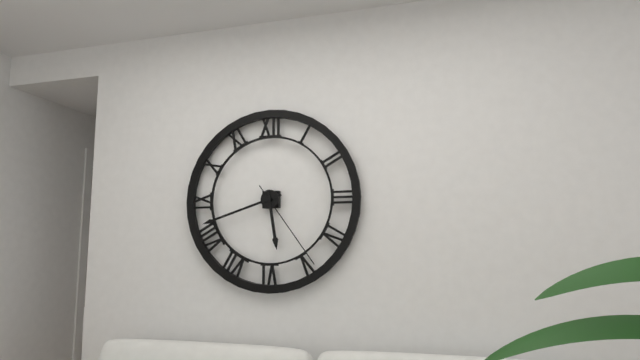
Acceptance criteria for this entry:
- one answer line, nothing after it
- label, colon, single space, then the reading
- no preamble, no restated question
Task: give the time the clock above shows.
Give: 5:42:24
